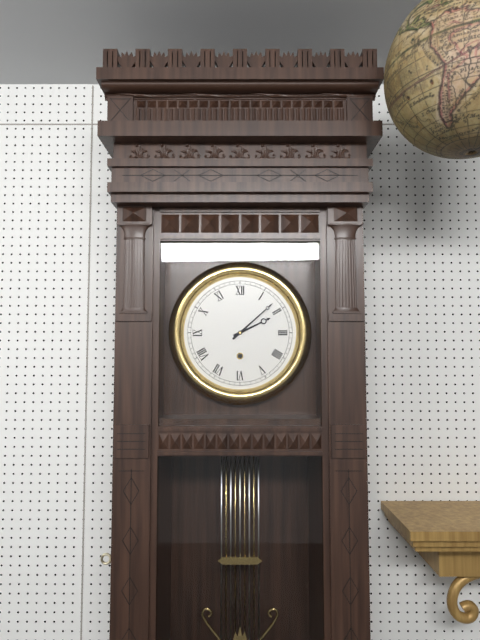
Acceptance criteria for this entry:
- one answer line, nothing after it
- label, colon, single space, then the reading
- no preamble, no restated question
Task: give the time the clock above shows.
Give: 2:08
